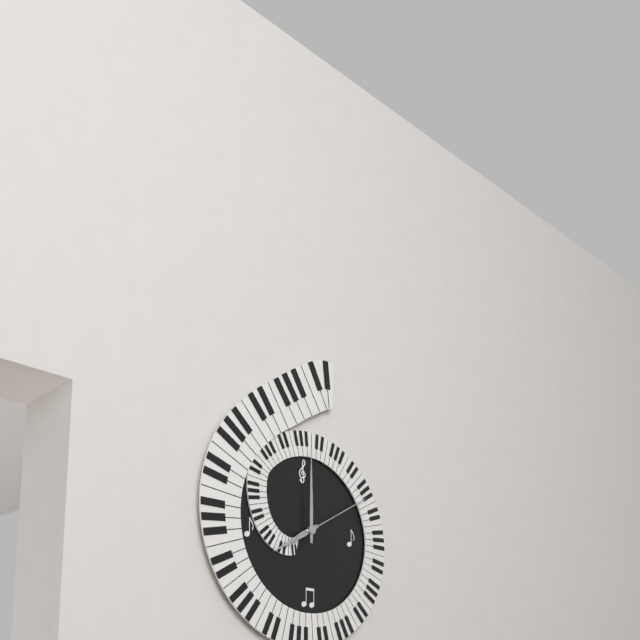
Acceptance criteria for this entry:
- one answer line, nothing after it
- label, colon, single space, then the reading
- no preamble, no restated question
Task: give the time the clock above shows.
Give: 8:00:10
